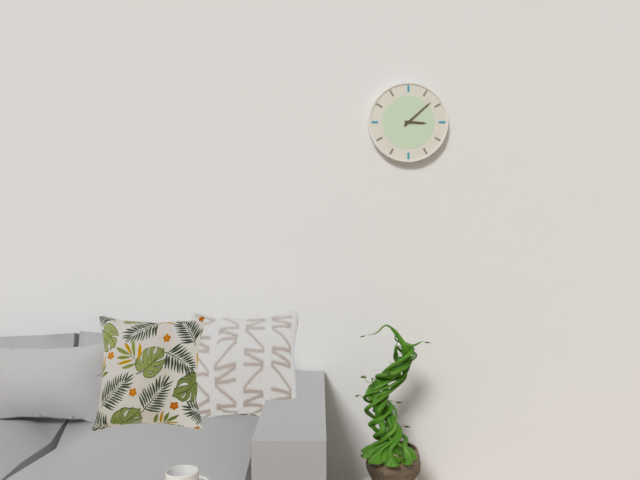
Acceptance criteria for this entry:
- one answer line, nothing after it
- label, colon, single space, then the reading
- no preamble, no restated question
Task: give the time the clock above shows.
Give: 3:08
